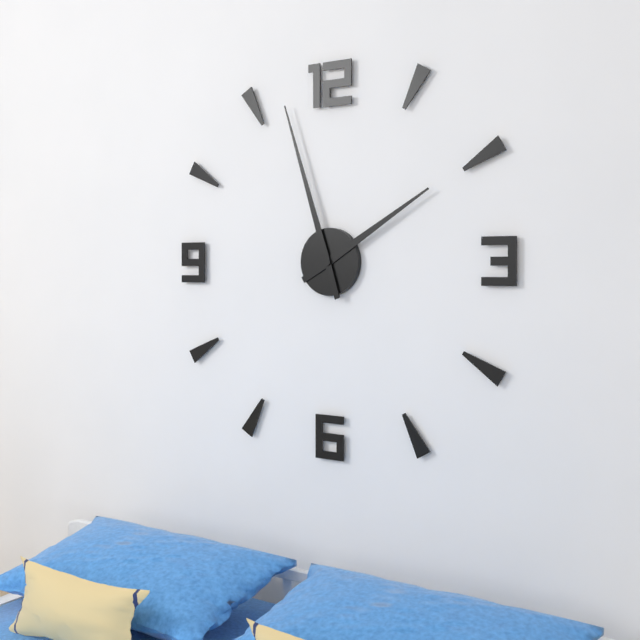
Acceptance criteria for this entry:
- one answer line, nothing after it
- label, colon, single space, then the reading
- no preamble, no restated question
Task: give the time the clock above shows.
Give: 1:57
